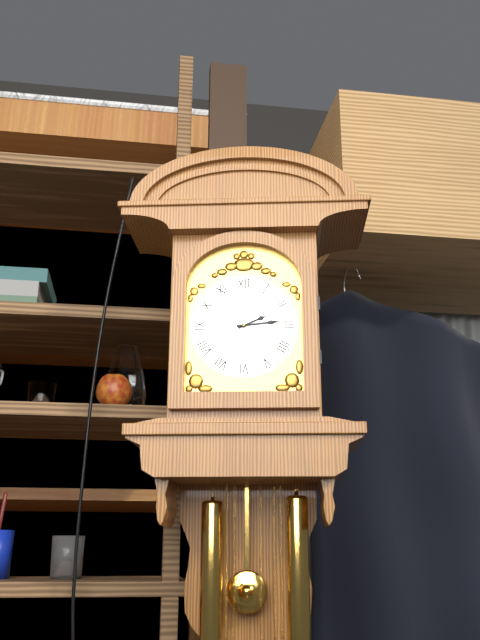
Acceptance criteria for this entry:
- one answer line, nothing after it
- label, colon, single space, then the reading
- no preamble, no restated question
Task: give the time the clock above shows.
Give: 2:14
